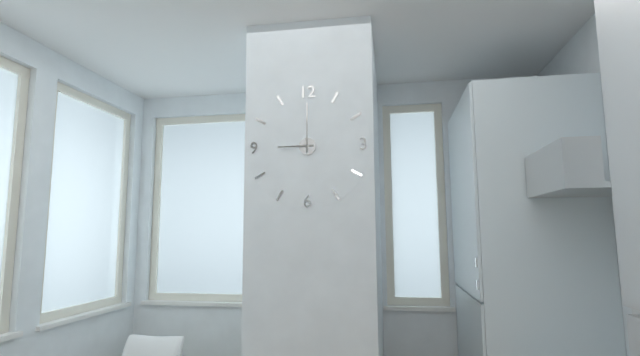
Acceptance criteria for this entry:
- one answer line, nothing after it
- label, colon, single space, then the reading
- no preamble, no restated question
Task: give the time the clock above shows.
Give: 9:00
